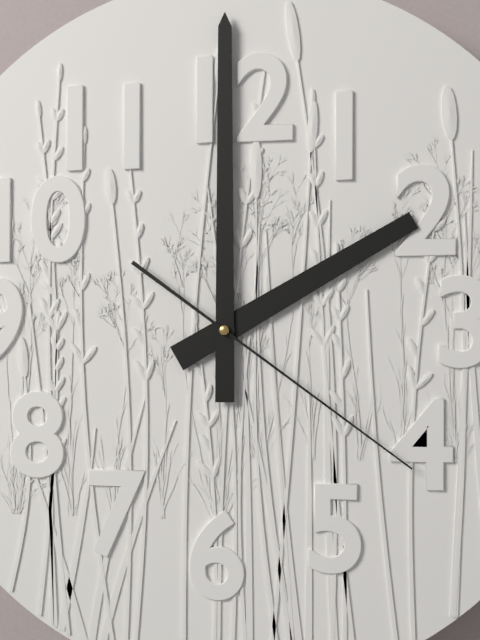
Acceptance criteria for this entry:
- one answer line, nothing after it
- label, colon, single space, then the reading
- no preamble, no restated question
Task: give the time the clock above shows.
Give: 2:00:21
